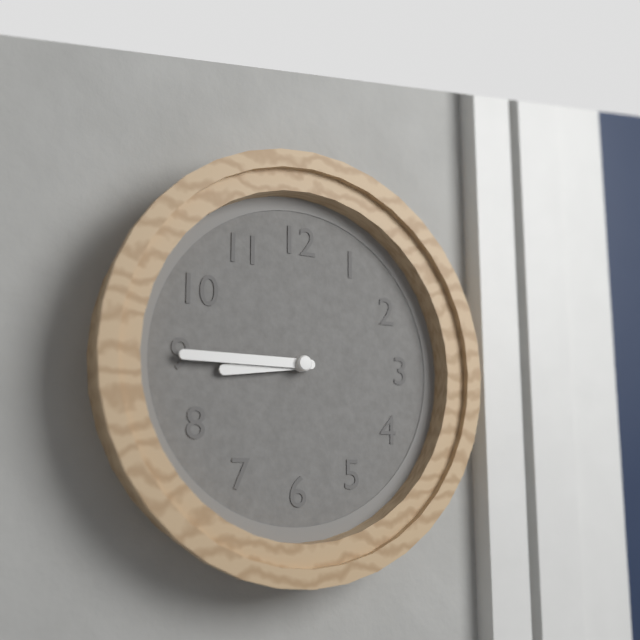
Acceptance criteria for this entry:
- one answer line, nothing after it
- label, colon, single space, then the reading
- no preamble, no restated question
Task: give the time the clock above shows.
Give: 8:45
